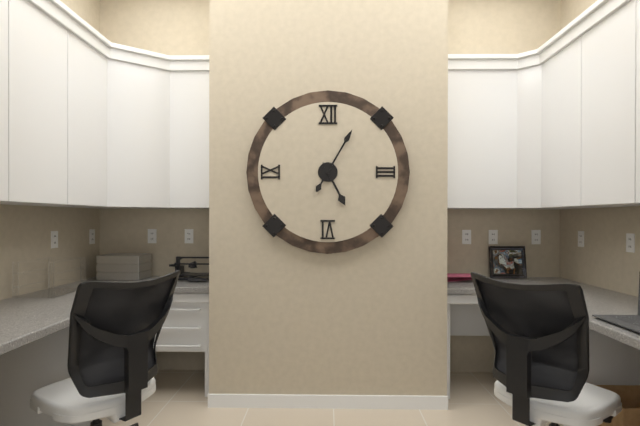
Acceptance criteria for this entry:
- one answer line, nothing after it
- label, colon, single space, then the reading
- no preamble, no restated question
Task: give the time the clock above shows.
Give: 5:05
